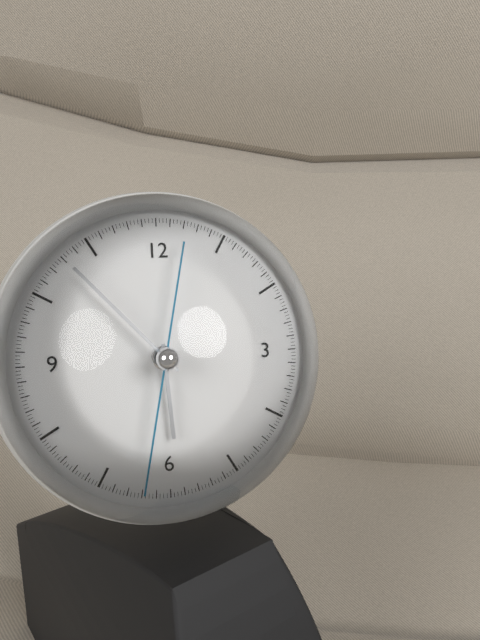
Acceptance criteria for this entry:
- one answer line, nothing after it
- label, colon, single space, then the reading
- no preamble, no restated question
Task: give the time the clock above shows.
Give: 5:53:32
